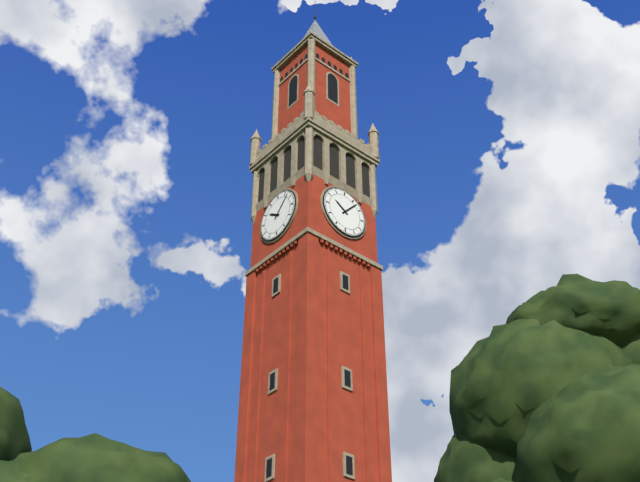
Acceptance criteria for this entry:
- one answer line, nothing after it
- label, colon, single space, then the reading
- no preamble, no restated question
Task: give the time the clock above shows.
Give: 10:07
